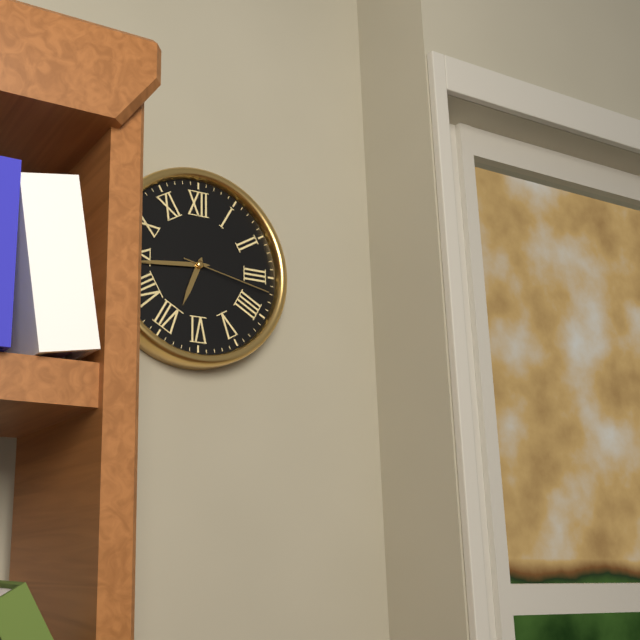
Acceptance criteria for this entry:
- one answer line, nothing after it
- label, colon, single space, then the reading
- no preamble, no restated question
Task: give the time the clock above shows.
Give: 6:44:17
